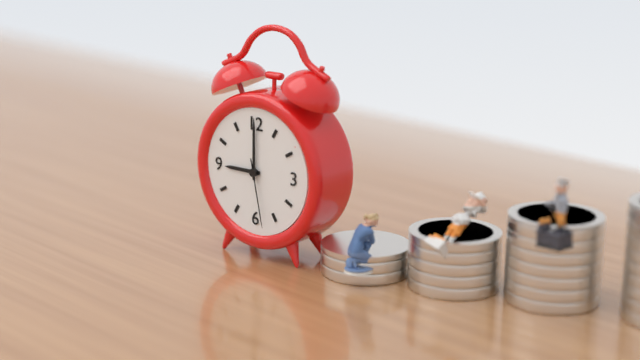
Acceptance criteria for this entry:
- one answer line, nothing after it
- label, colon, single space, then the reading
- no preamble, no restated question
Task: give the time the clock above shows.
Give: 9:00:28
